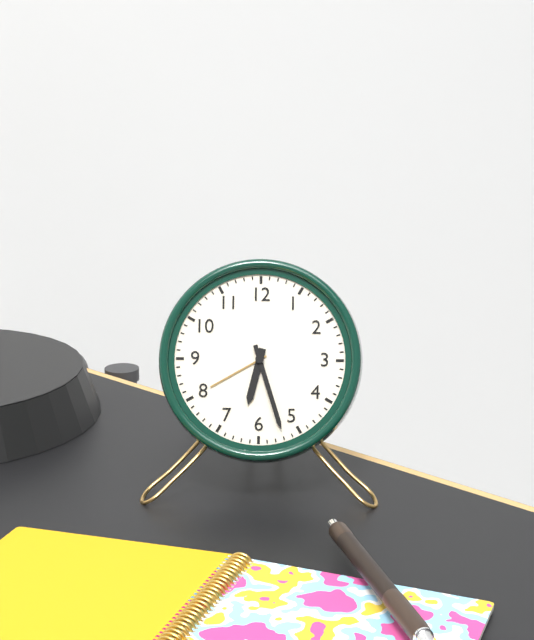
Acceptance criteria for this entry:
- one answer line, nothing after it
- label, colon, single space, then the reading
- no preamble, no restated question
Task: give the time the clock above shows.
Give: 6:27
